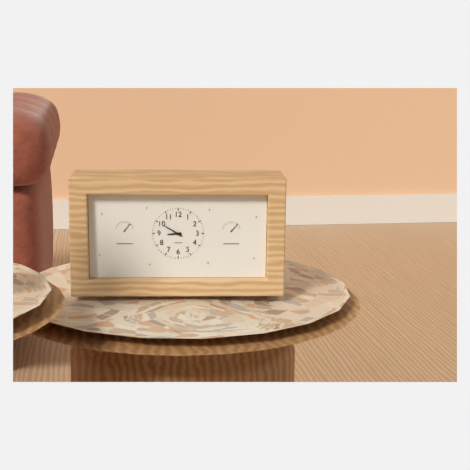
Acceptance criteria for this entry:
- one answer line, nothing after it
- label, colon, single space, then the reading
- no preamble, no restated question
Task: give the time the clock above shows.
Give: 8:50
